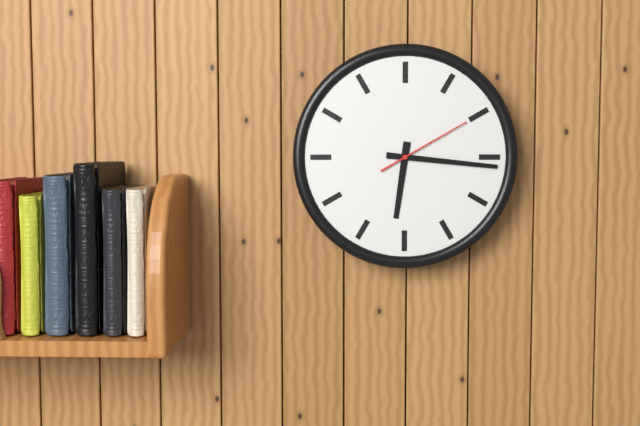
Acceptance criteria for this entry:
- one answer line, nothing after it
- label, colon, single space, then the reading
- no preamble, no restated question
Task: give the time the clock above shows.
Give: 6:16:10
